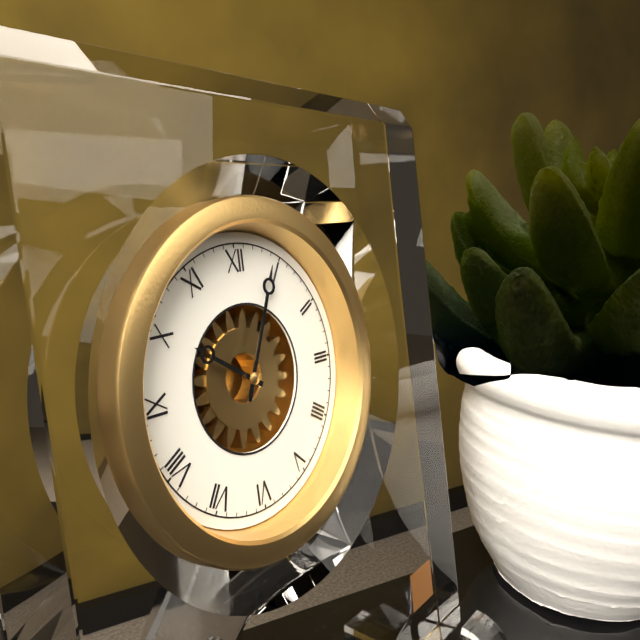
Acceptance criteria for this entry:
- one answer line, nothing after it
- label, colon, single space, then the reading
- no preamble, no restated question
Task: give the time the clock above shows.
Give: 10:04
